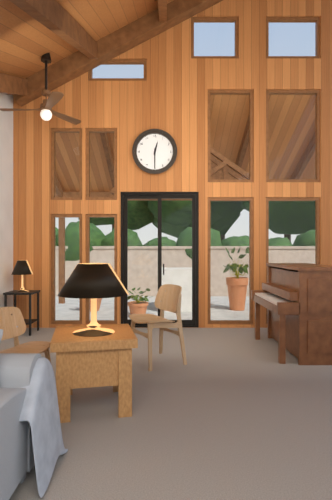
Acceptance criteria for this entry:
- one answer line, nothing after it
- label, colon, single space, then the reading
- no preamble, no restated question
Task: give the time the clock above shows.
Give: 12:30
